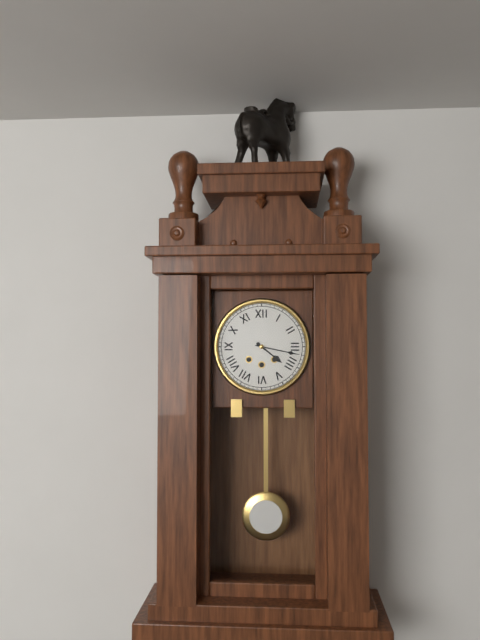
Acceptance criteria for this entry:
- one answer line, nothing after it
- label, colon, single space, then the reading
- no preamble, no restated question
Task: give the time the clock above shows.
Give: 4:17
